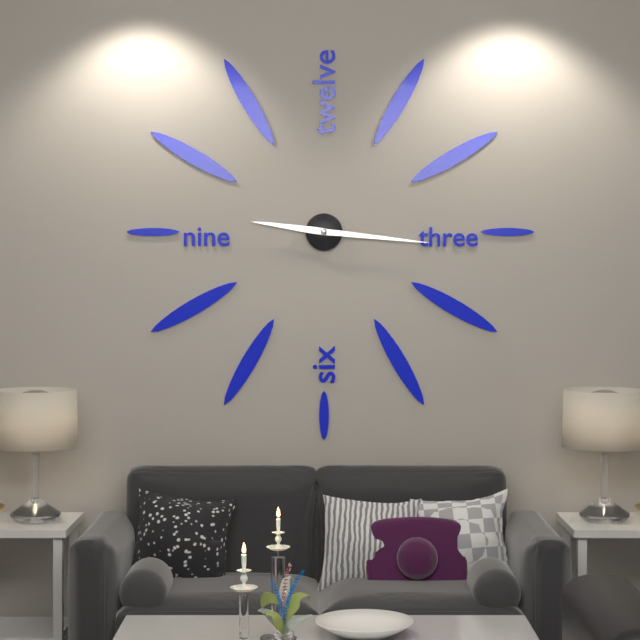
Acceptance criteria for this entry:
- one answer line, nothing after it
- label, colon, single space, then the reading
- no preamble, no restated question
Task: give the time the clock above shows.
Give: 9:16
